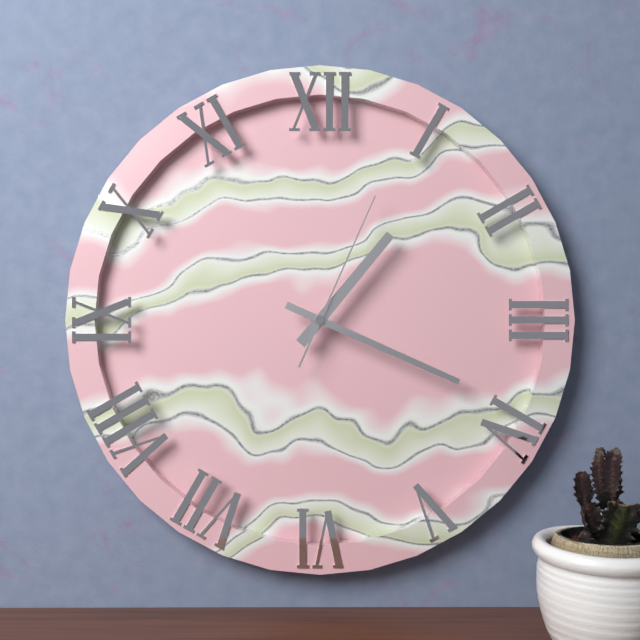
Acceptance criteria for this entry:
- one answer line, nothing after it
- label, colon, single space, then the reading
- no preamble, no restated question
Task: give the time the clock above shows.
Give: 1:19:04
